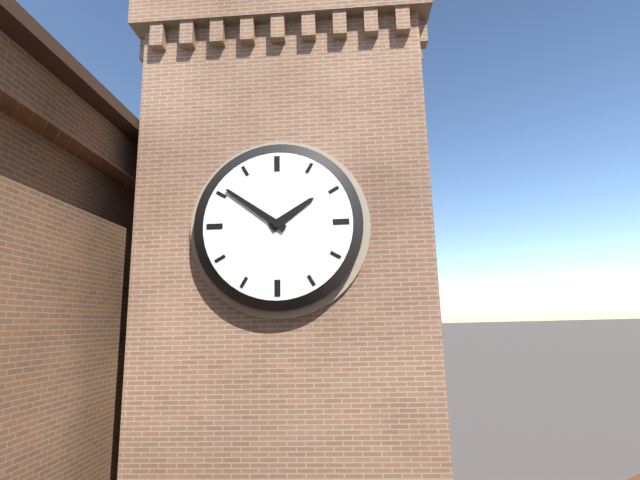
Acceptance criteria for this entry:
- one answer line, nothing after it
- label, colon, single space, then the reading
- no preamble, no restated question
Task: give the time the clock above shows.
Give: 1:51
